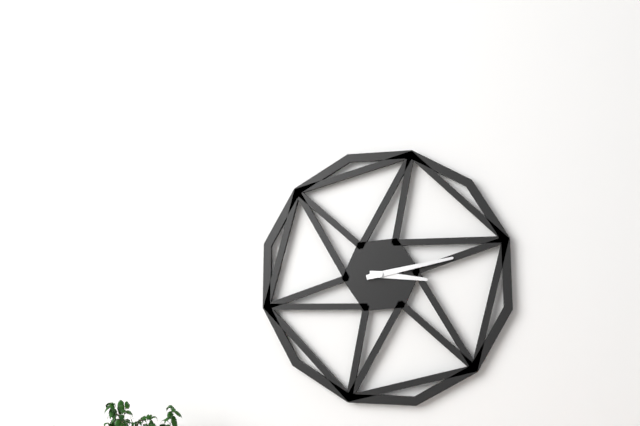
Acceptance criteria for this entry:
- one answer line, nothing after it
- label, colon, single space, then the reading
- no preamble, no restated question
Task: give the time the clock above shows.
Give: 3:13
